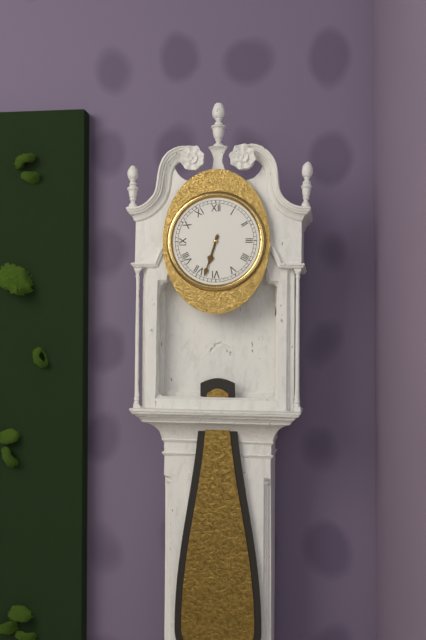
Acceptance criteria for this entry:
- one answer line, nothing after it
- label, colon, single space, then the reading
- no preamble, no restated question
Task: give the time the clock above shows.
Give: 6:33
